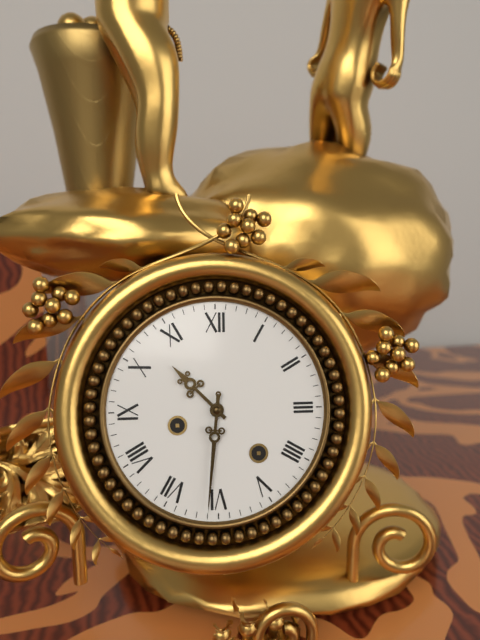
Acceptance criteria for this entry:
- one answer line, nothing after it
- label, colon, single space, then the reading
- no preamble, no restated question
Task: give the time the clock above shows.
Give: 10:31
